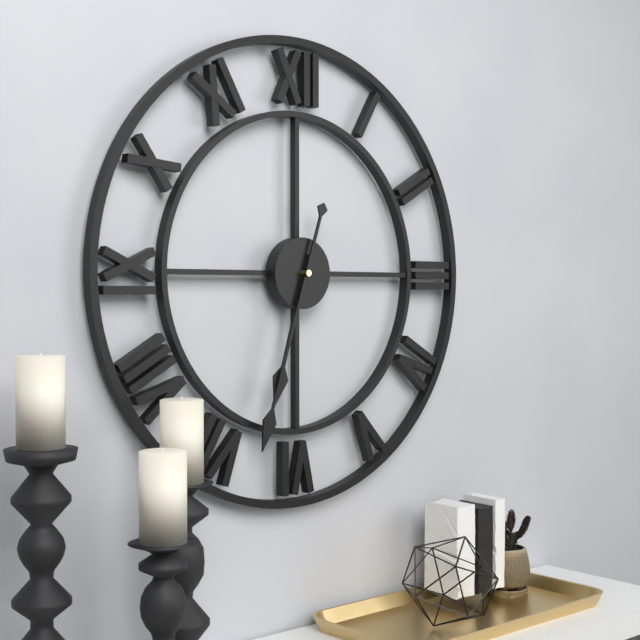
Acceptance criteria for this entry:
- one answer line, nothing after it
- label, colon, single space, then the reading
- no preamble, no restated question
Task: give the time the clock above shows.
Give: 6:33
